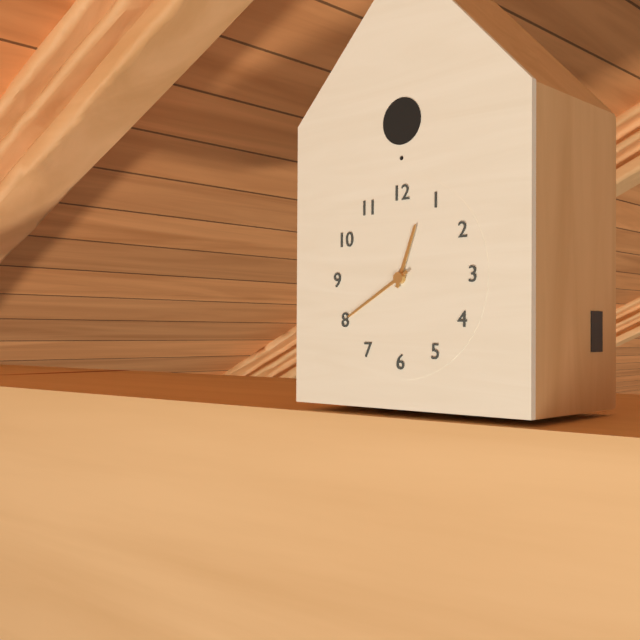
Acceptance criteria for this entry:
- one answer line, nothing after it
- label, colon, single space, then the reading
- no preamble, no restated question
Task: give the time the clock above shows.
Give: 12:40
